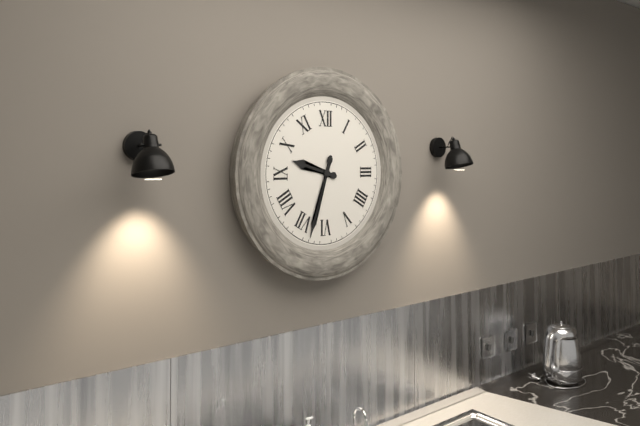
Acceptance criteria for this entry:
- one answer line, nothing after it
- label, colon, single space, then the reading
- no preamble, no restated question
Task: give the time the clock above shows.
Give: 9:33
